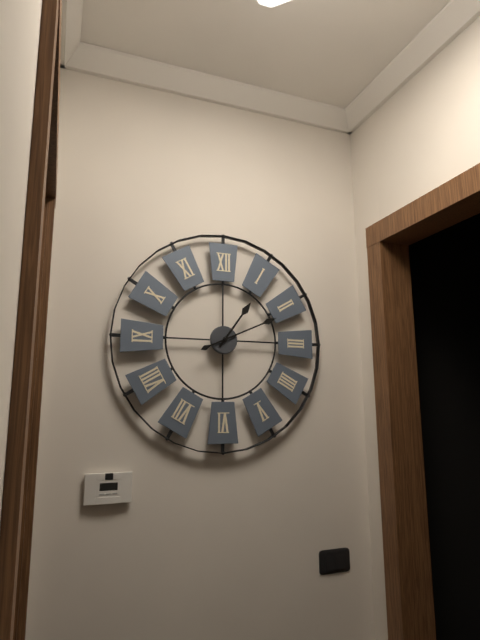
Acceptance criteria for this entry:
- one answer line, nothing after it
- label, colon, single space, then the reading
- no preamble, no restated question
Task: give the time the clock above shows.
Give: 1:11
